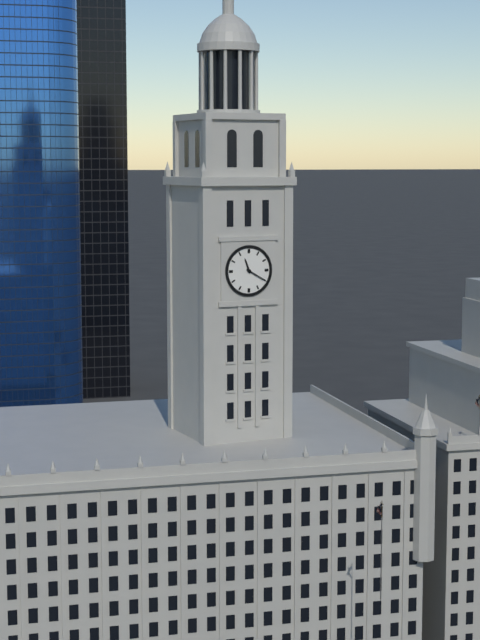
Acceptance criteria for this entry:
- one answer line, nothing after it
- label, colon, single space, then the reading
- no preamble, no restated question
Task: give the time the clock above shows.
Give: 11:20
